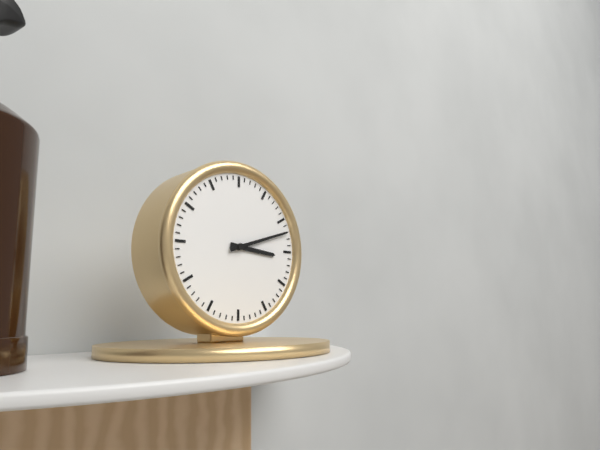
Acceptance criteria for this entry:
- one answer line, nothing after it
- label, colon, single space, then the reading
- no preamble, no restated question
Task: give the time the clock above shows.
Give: 3:12
